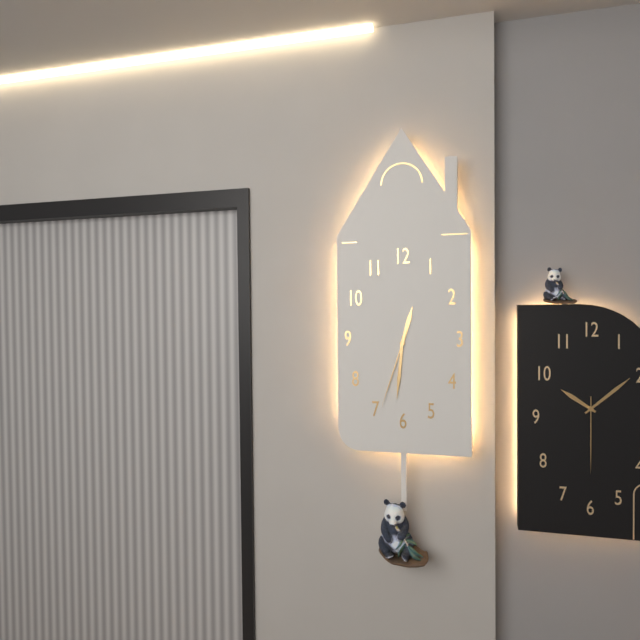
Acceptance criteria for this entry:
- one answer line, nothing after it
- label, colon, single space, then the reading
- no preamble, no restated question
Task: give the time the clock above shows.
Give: 12:31:33
